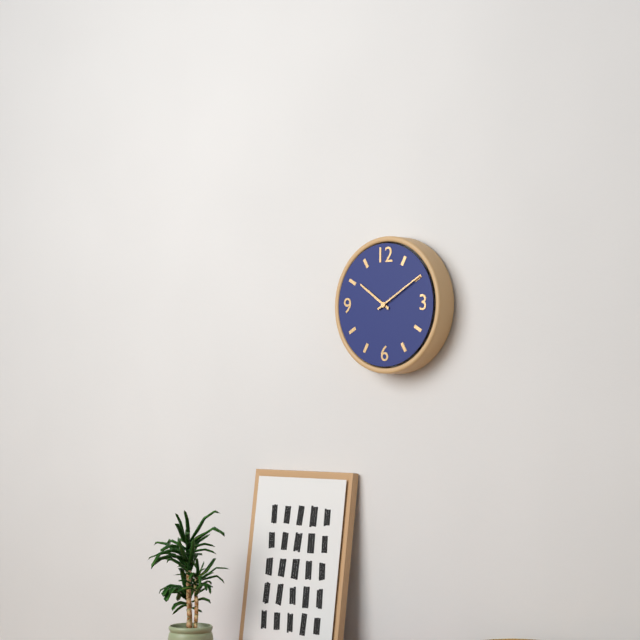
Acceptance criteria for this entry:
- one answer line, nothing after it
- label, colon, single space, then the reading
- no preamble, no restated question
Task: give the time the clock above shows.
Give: 10:10
